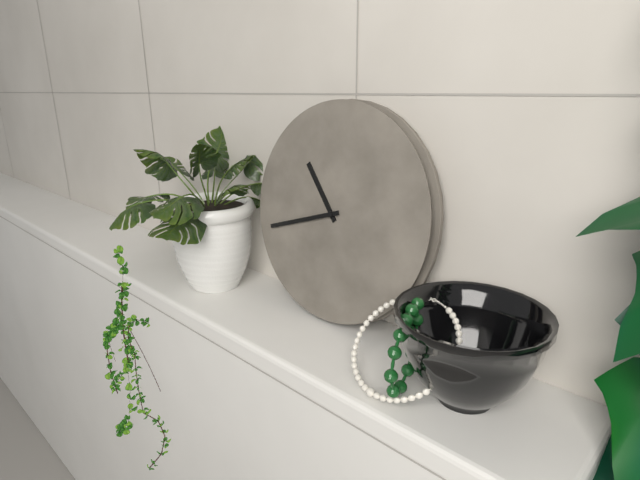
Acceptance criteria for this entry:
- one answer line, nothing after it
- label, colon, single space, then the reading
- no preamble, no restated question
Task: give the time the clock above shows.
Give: 10:42
